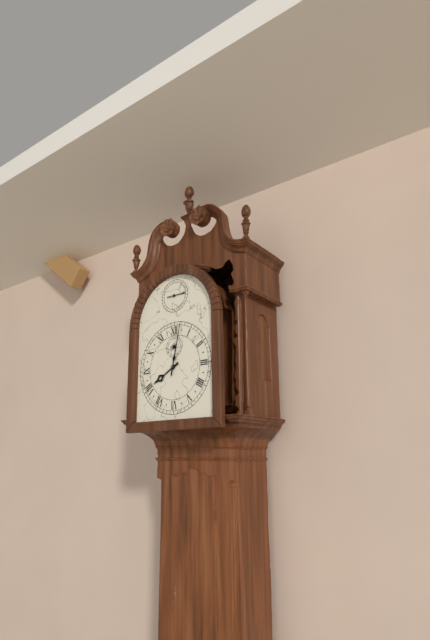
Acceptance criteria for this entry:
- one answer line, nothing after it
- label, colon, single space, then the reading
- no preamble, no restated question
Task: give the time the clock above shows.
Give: 8:02
